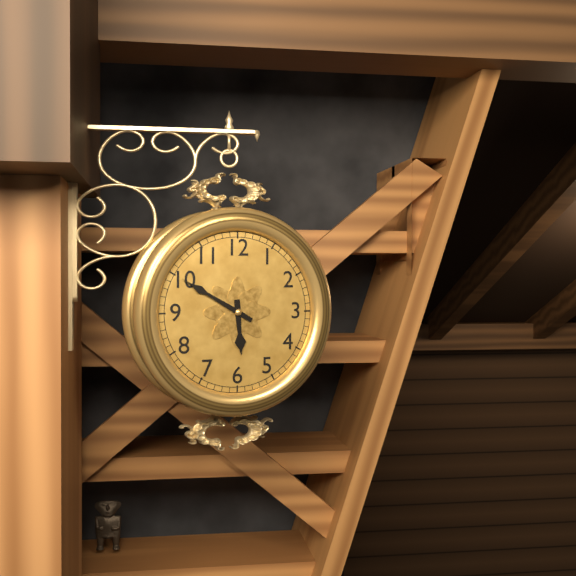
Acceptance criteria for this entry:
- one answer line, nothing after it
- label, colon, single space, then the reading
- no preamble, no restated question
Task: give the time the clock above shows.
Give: 5:50
